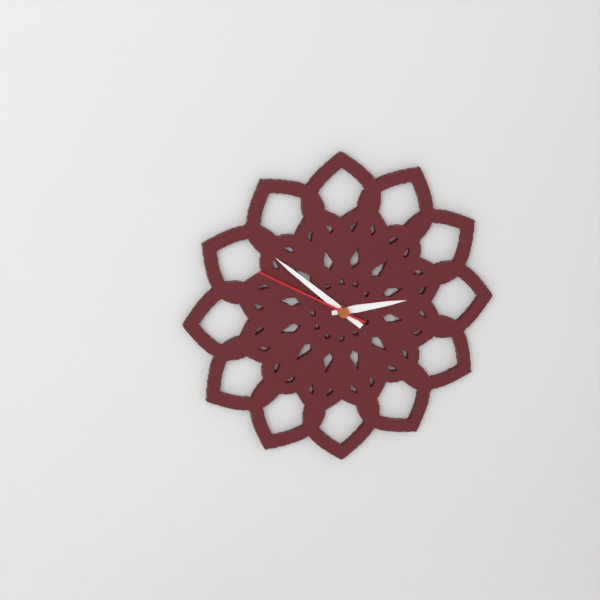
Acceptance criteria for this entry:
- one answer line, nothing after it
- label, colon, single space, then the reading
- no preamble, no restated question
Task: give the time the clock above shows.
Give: 2:52:50
